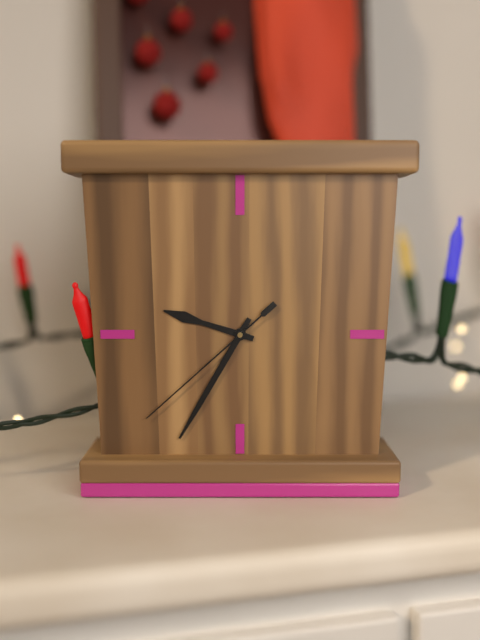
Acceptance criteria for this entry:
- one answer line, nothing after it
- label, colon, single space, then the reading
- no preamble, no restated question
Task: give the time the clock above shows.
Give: 9:35:38
